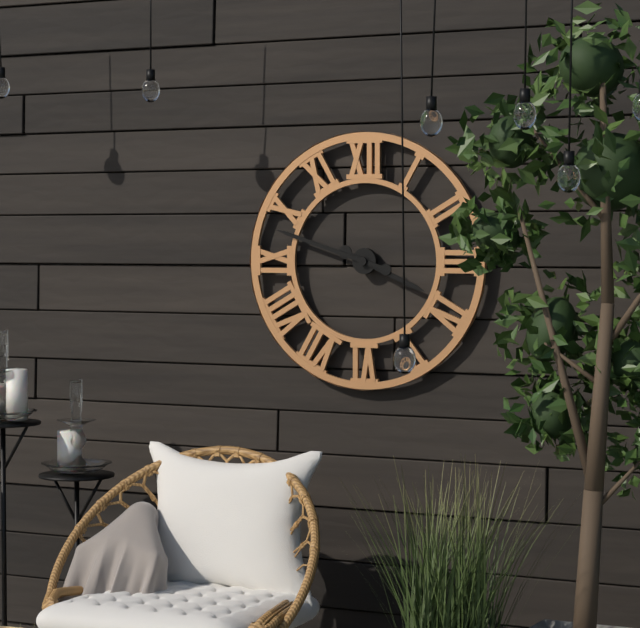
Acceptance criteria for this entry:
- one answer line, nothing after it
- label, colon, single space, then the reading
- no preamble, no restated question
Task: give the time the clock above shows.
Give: 3:48
